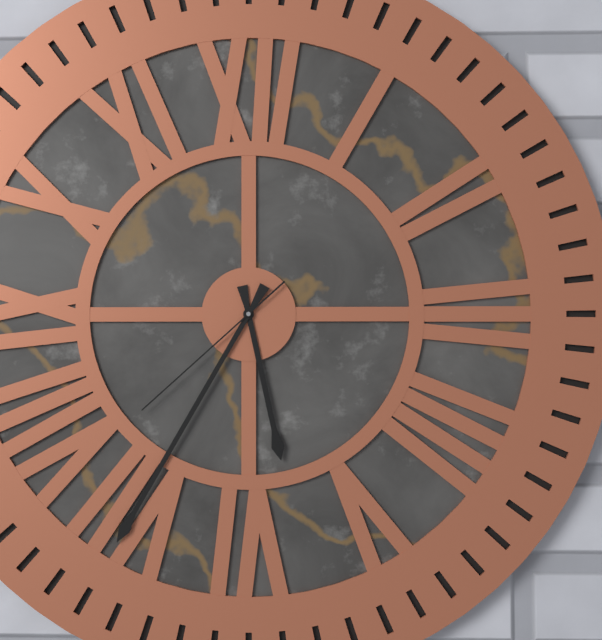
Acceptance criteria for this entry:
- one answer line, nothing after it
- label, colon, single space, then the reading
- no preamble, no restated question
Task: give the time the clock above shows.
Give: 5:35:38
